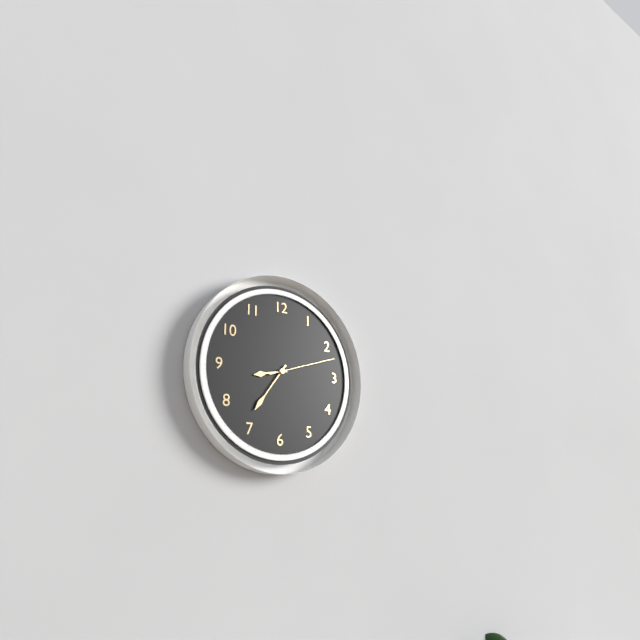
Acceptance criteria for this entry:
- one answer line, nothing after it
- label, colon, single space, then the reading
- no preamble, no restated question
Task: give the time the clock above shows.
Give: 8:36:12
